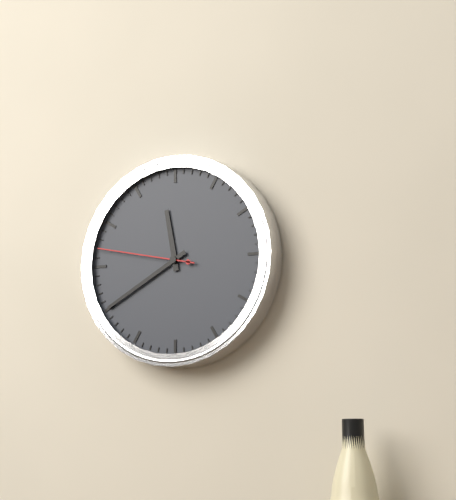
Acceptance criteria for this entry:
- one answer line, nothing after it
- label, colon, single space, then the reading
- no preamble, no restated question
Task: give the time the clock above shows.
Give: 11:40:47
